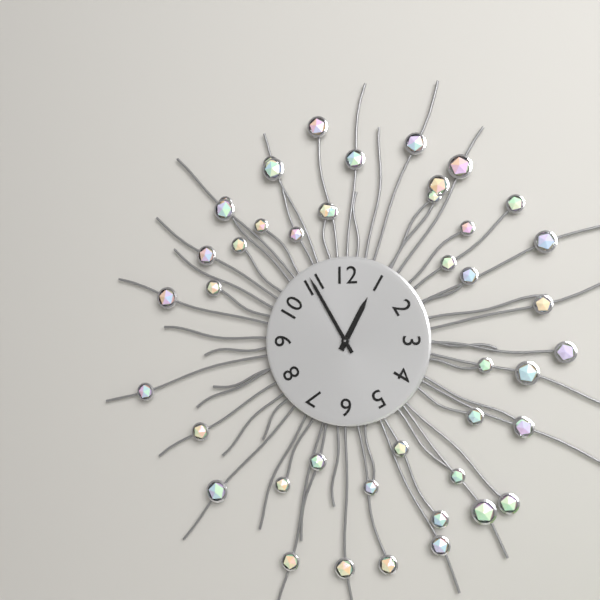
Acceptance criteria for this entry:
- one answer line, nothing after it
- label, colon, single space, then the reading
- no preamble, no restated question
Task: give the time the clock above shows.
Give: 12:55
